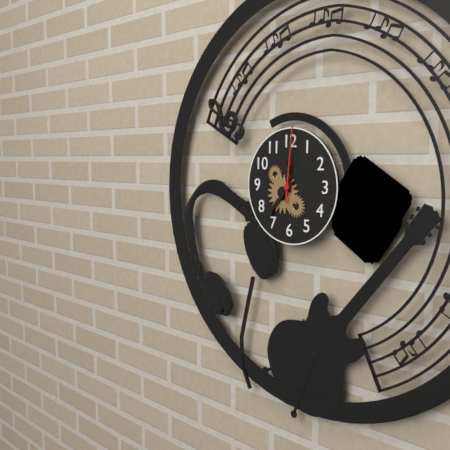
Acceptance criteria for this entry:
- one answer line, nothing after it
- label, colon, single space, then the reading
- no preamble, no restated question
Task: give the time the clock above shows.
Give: 11:37:01
